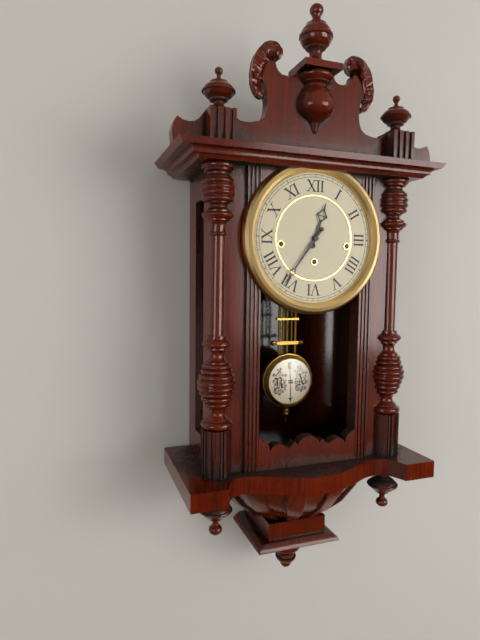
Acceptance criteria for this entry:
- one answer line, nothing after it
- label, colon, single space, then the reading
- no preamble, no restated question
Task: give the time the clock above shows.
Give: 12:36
